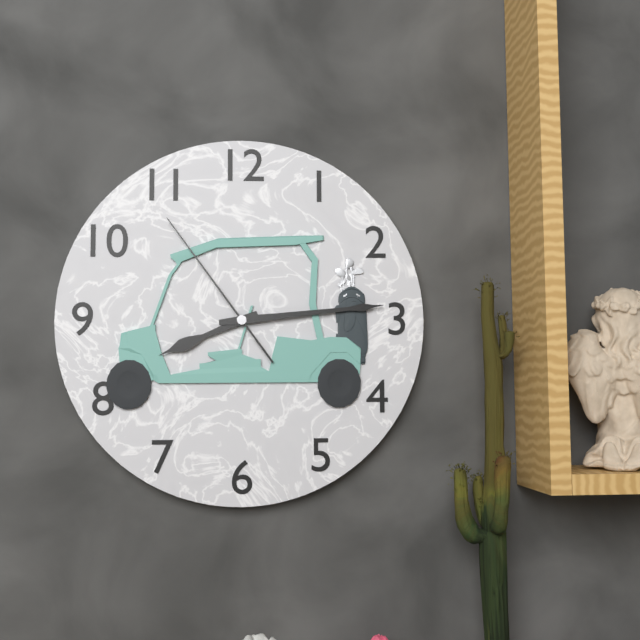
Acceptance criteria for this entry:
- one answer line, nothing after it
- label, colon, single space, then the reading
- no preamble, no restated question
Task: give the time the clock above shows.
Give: 8:14:54
